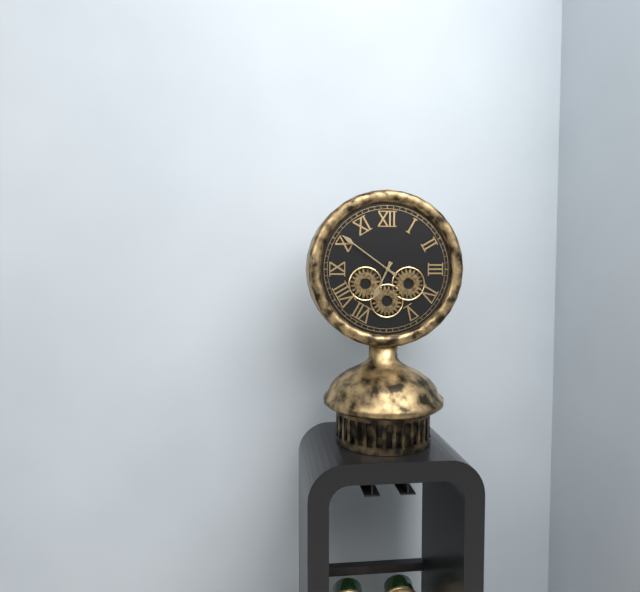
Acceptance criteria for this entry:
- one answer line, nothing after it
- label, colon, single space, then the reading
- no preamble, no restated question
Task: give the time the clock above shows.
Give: 6:51
